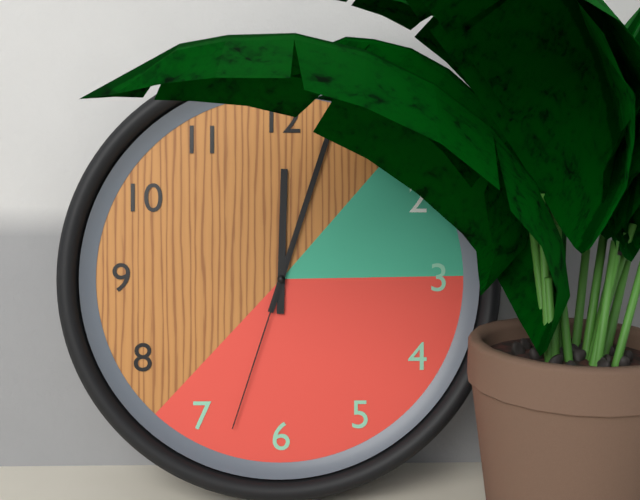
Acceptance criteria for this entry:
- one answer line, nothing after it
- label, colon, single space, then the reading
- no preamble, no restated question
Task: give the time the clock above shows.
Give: 12:03:33
